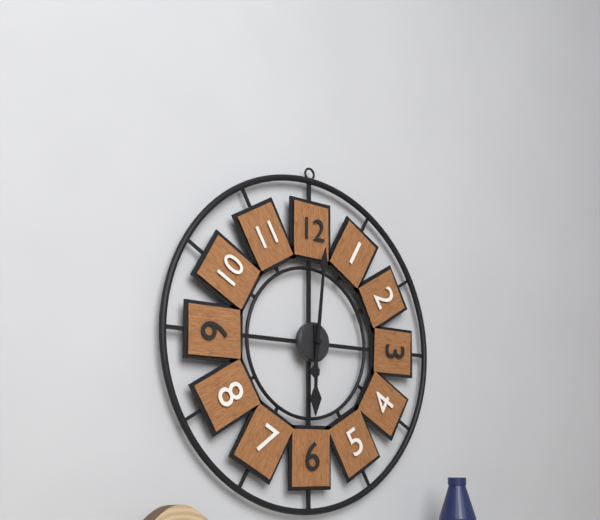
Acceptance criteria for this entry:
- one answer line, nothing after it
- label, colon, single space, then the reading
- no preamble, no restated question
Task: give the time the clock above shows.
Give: 6:01
